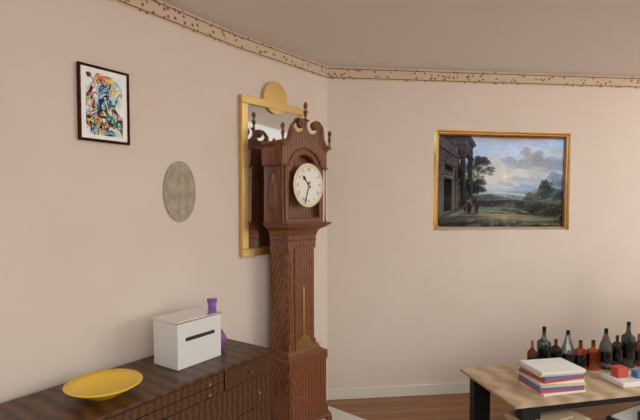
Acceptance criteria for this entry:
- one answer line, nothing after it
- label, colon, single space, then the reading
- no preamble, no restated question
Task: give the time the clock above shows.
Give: 10:33
